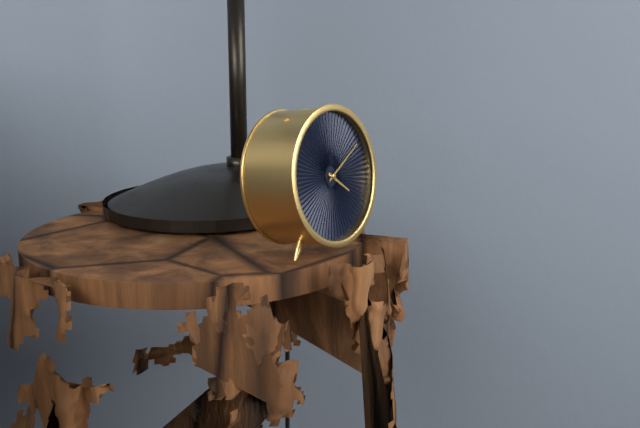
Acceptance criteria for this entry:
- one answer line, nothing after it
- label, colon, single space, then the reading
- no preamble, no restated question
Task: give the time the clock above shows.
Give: 4:10
